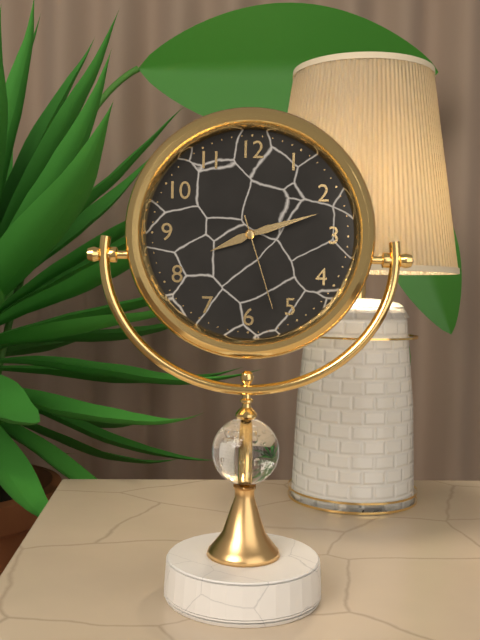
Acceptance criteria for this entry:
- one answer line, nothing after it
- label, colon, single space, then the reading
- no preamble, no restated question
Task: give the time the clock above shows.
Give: 8:12:27
